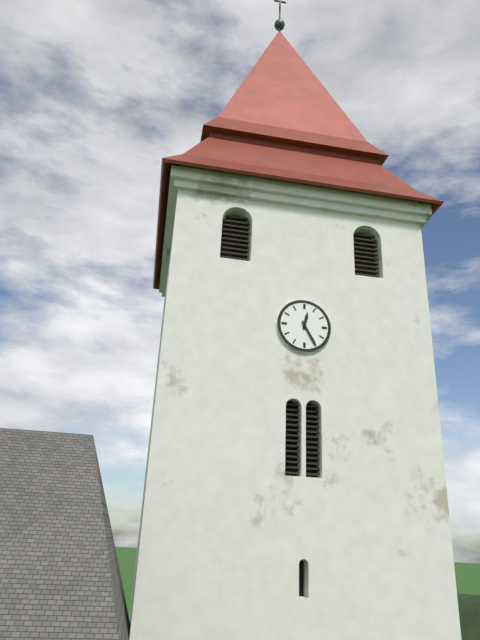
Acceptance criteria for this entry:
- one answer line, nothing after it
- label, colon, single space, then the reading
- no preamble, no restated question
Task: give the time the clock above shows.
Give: 12:25
